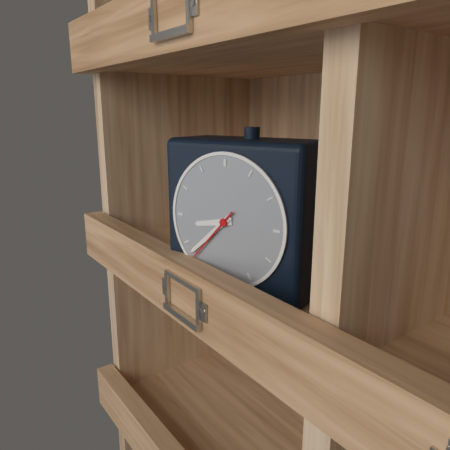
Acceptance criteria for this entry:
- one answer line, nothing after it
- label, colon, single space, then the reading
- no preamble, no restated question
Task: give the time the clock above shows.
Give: 8:38:37
